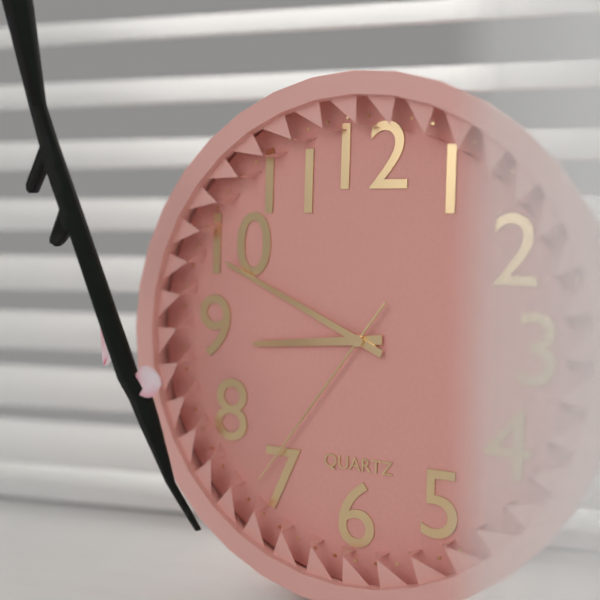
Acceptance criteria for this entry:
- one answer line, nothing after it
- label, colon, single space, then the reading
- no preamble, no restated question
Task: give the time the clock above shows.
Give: 8:49:36
